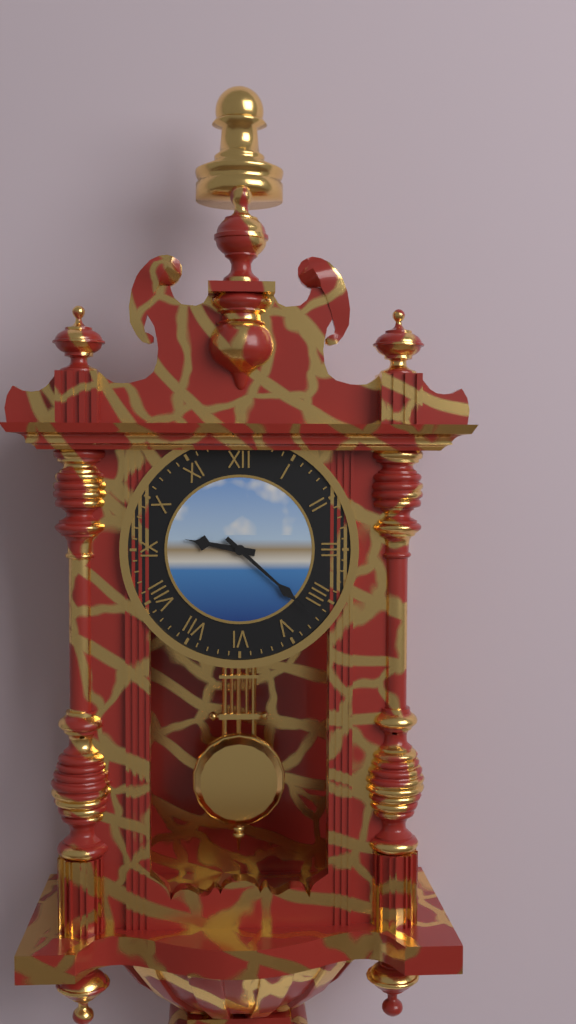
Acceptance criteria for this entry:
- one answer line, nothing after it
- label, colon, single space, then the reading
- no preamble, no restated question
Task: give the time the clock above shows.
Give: 9:22
